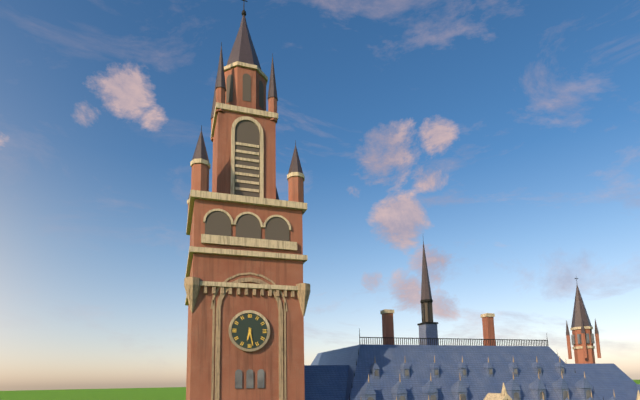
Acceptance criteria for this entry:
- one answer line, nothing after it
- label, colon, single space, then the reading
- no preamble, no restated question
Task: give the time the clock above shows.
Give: 6:28
